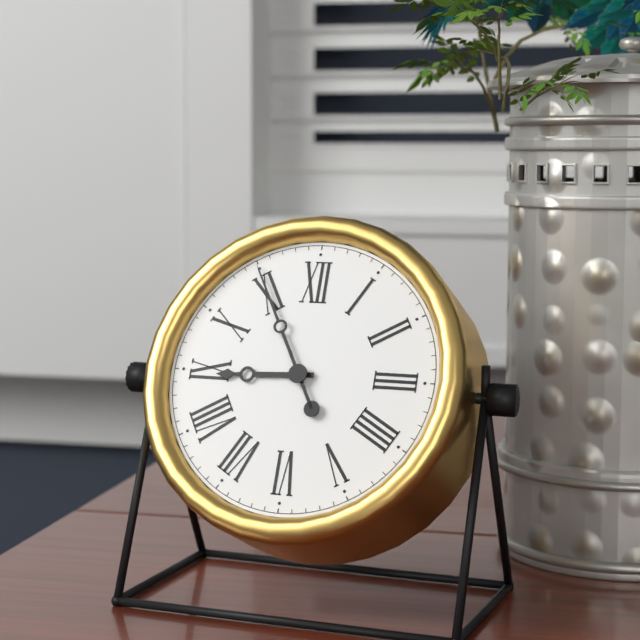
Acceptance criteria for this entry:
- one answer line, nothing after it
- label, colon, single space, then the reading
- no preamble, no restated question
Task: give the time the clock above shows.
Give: 8:55
